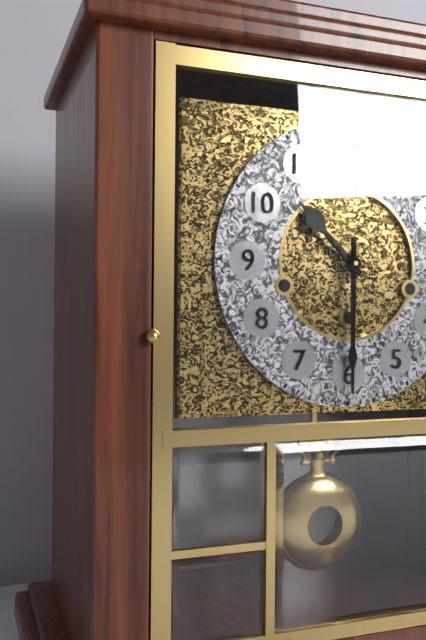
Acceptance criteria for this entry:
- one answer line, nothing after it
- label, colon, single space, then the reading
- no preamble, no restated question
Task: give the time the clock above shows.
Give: 10:30
